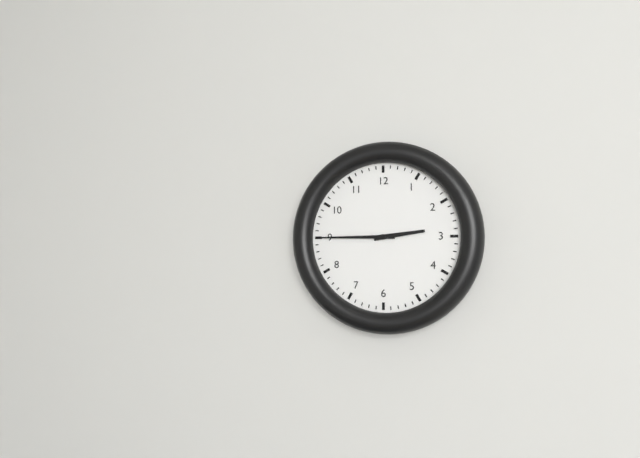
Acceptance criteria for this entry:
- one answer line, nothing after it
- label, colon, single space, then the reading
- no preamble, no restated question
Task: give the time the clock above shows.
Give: 2:45
